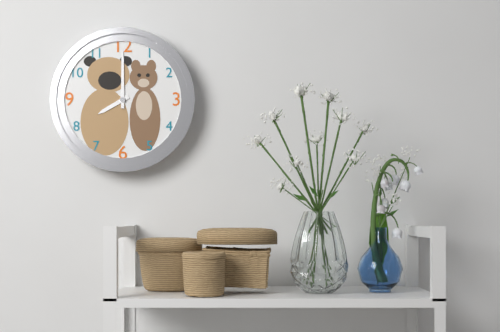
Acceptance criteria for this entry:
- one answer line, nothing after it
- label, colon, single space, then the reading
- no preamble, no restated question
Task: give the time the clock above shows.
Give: 8:00
